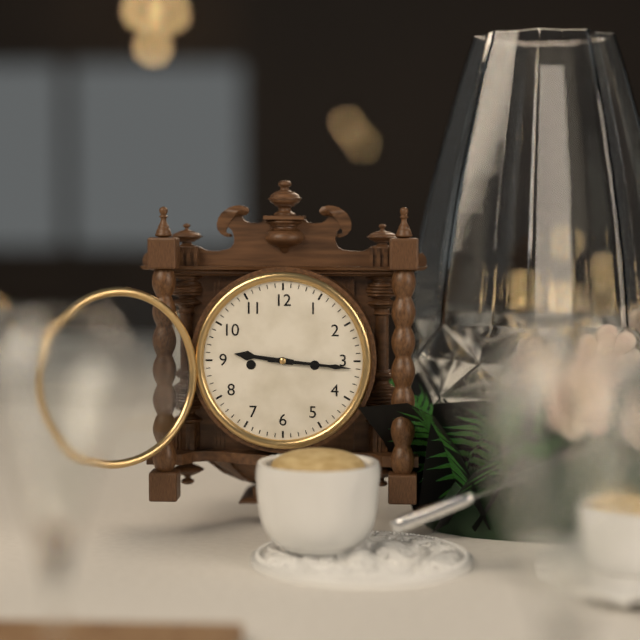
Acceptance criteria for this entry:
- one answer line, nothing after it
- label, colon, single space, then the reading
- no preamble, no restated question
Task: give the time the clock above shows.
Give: 9:16
